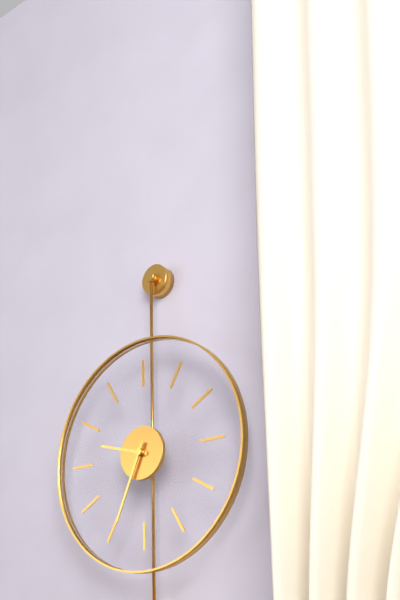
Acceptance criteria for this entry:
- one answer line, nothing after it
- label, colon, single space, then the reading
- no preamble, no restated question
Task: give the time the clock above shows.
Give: 9:34
